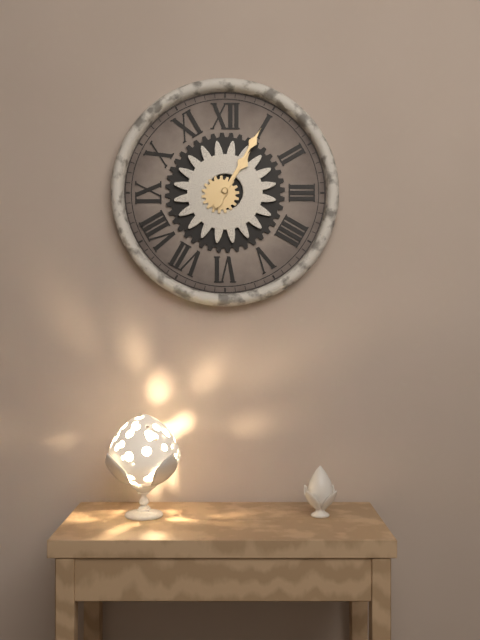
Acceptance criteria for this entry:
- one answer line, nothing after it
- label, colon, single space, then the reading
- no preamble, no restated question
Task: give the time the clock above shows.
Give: 1:05
